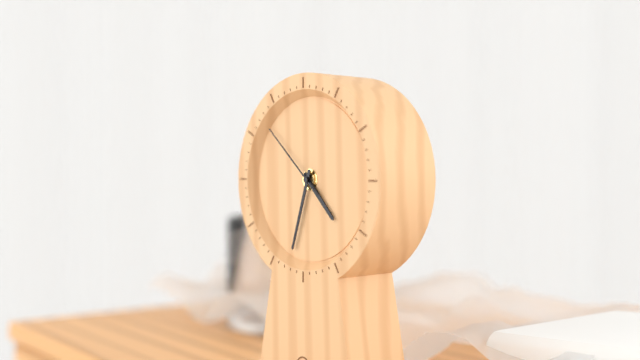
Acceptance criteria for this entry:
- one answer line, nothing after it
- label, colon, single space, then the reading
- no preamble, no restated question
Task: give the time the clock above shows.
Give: 4:33:52
